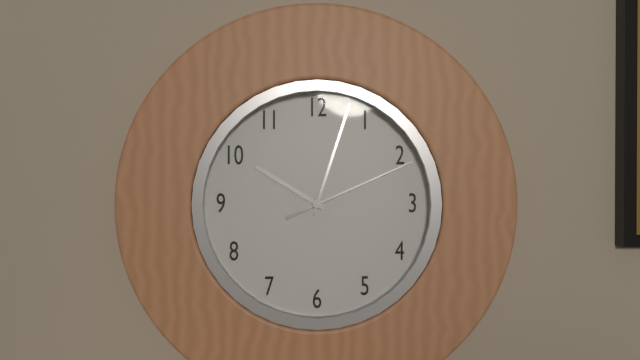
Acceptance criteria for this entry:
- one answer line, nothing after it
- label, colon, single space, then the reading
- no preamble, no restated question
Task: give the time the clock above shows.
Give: 10:03:11
